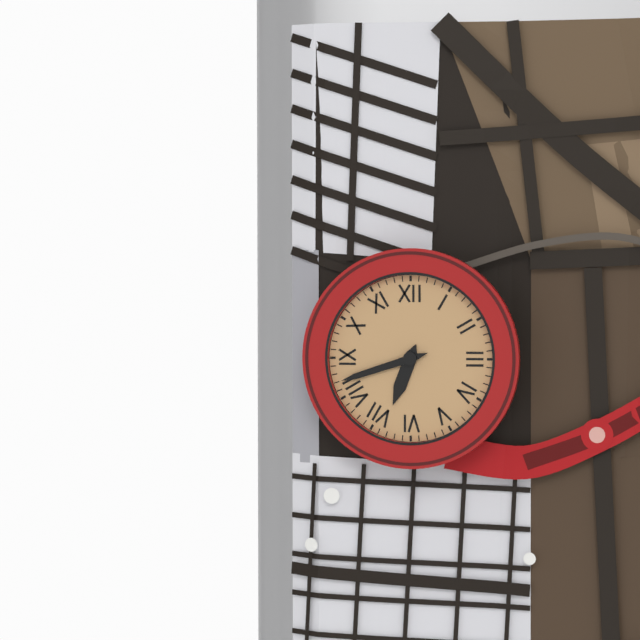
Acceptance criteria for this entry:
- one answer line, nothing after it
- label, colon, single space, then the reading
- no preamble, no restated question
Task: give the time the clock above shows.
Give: 6:42
